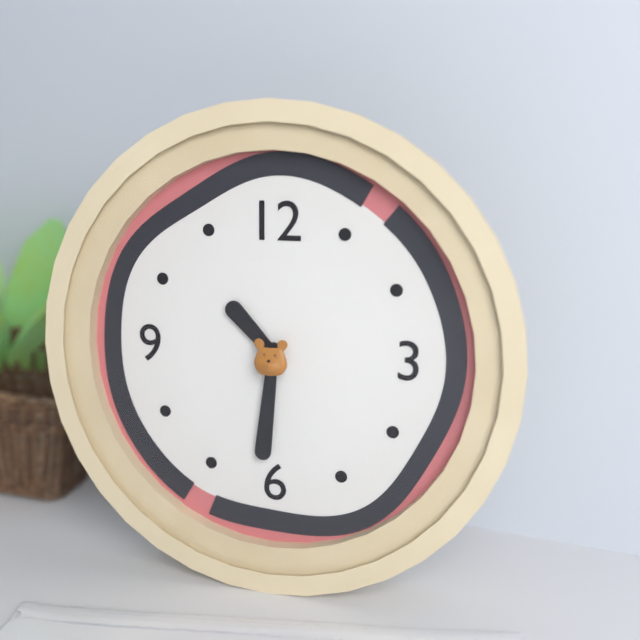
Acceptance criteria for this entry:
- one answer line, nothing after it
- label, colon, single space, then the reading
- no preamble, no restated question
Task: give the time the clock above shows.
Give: 10:31
